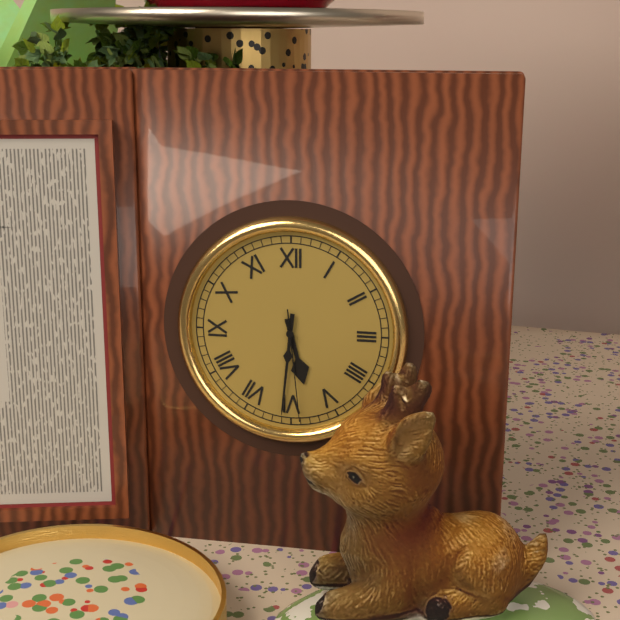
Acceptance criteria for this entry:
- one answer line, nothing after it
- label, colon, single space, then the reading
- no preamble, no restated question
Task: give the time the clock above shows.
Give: 5:31:29
